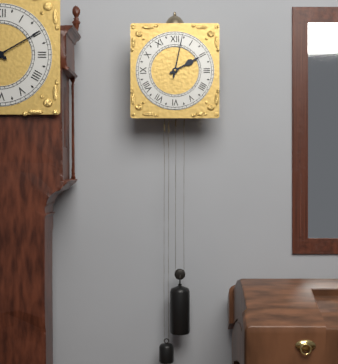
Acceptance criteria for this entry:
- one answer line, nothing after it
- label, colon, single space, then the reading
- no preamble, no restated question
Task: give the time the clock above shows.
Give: 2:02
